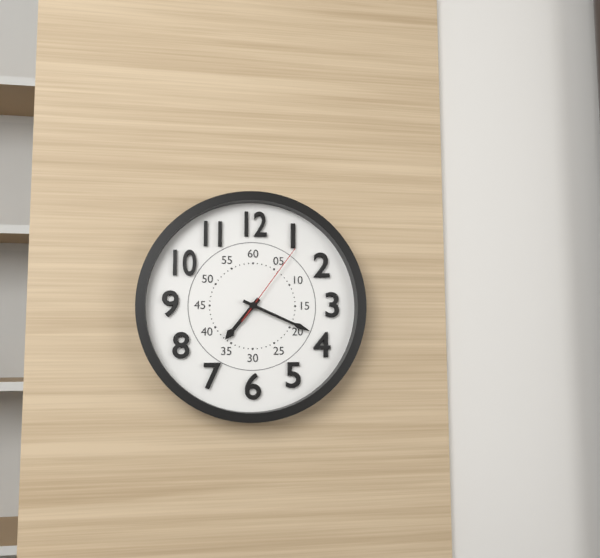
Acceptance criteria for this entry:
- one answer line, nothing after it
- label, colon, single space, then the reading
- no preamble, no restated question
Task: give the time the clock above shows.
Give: 7:19:06
